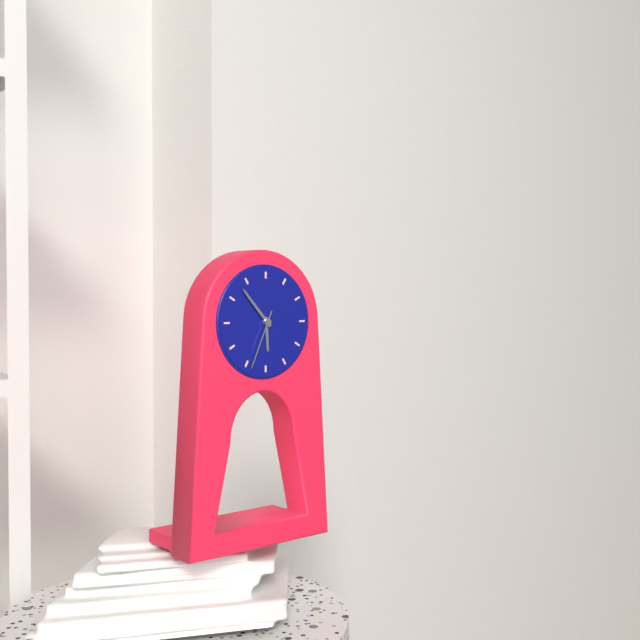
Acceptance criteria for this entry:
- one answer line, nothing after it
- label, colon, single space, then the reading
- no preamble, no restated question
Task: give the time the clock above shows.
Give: 5:53:34
